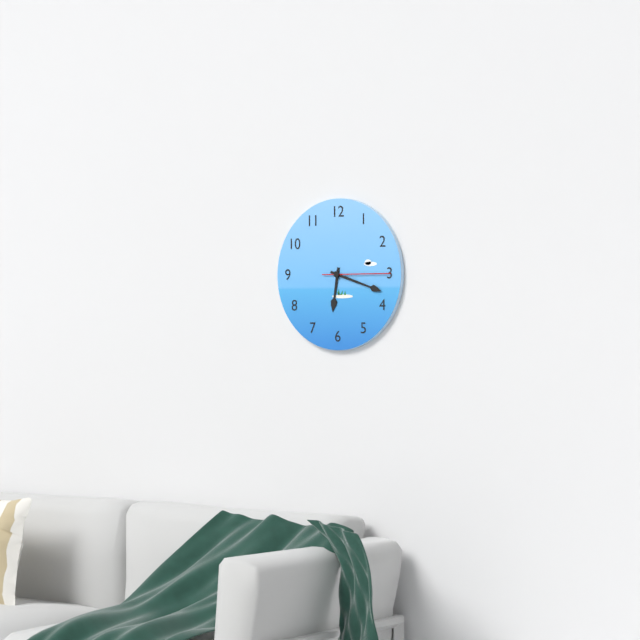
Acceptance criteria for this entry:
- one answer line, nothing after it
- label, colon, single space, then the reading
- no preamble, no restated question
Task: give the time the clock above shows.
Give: 6:18:15
